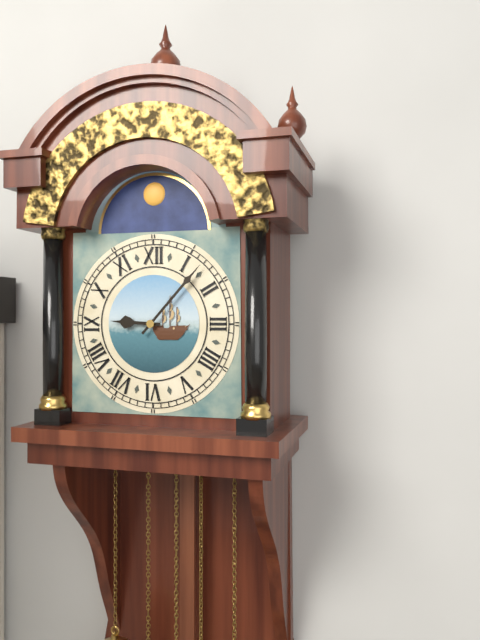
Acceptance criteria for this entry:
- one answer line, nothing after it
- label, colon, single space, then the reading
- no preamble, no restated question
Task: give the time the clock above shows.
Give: 9:07
